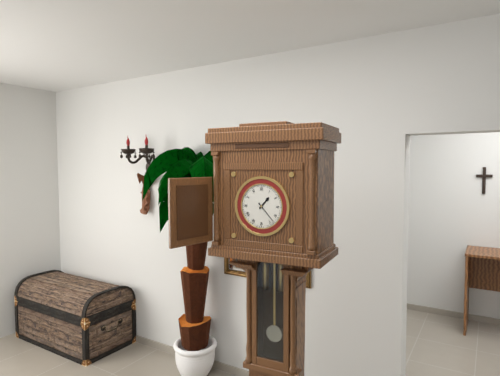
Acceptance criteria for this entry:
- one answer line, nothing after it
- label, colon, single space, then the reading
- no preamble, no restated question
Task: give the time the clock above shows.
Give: 1:23
